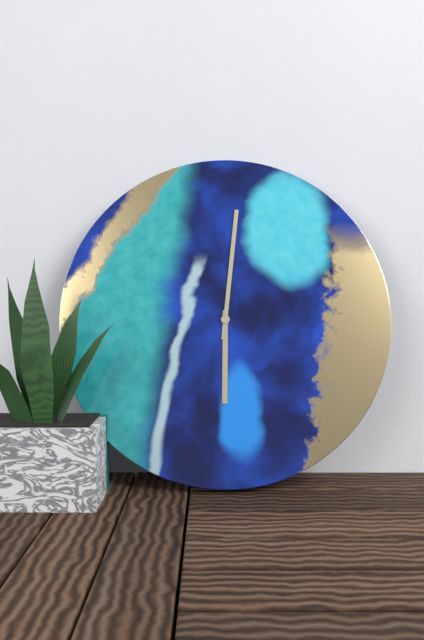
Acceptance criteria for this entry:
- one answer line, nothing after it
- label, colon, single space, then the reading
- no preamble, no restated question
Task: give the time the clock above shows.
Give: 6:01
